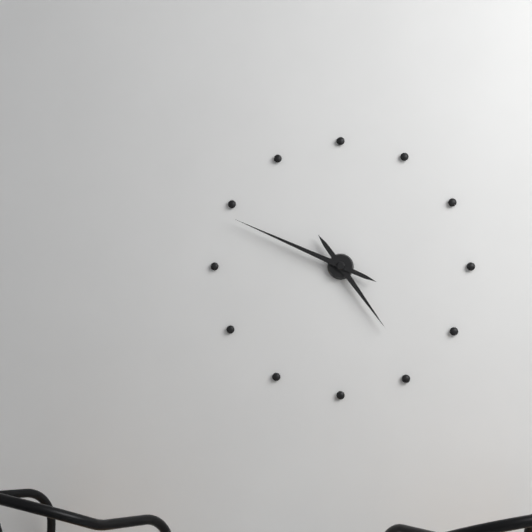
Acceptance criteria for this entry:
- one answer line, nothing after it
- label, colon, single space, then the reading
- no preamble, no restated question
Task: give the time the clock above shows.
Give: 4:49
